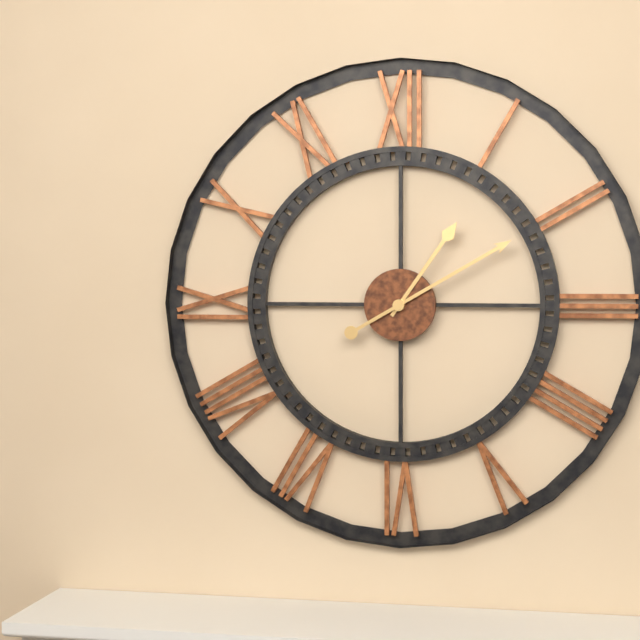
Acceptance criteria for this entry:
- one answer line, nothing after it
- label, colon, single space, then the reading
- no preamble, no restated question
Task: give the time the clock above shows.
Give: 1:10
